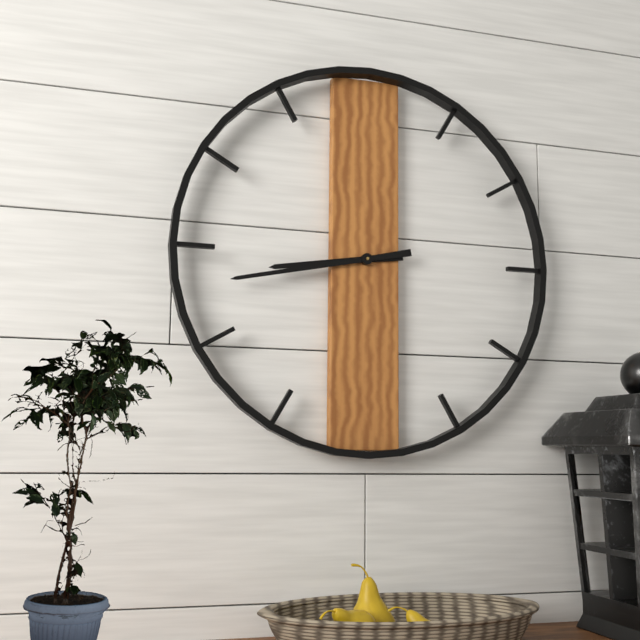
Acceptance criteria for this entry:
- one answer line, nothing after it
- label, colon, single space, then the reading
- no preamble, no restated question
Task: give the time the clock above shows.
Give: 8:43
